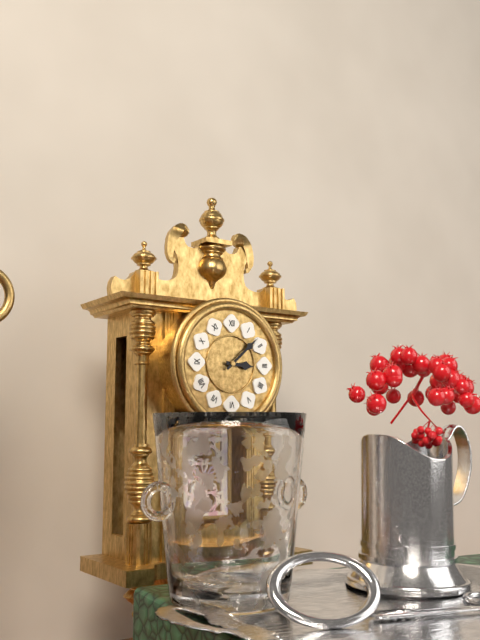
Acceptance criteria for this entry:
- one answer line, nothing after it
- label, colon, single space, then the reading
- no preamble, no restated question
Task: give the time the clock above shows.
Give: 3:08
